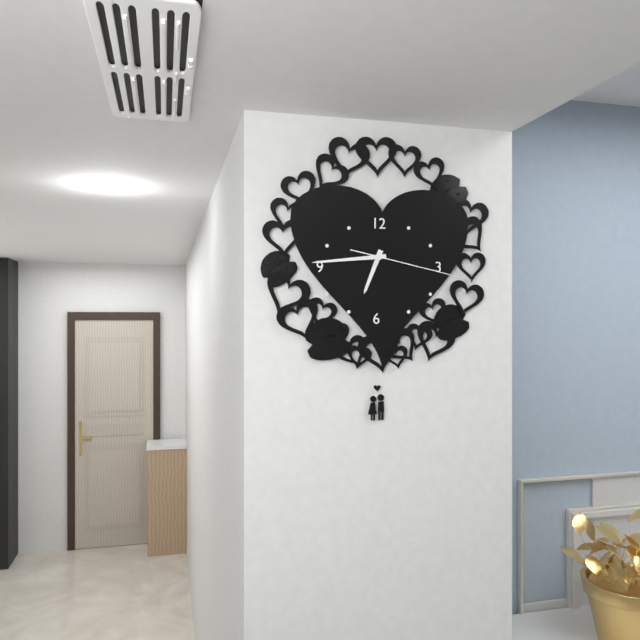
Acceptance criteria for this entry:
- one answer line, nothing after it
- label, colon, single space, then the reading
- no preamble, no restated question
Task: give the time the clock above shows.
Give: 6:44:17
